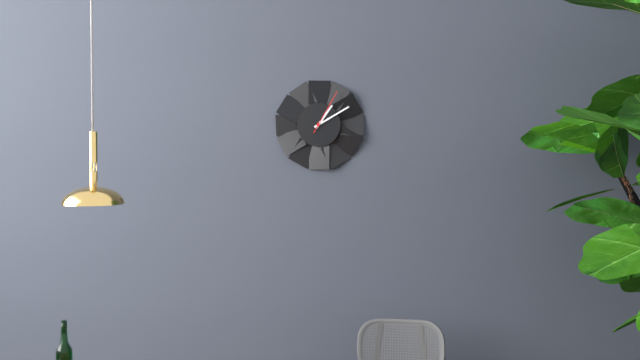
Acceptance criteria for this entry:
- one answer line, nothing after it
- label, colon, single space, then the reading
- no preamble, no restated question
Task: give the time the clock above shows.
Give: 1:10
